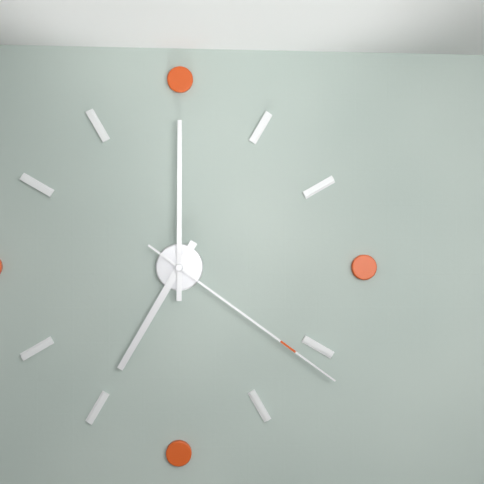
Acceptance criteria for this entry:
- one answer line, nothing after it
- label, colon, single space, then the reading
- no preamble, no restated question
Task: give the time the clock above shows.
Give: 7:00:21
